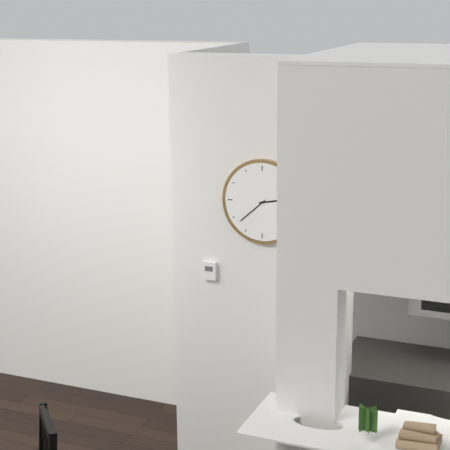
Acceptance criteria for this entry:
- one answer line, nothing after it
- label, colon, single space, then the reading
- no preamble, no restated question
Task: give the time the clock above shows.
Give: 2:38
